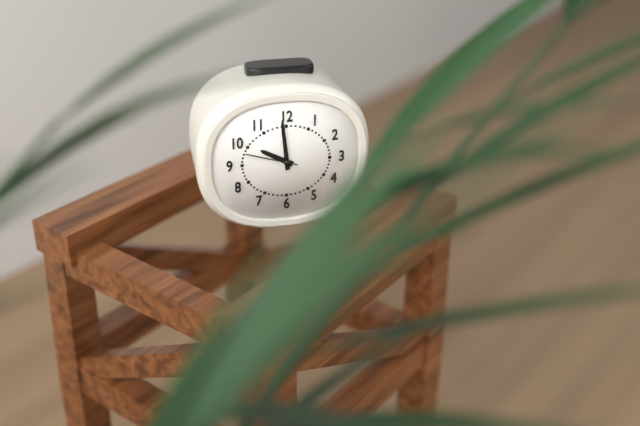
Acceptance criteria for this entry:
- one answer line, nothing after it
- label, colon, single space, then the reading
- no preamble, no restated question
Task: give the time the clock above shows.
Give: 9:59:48
